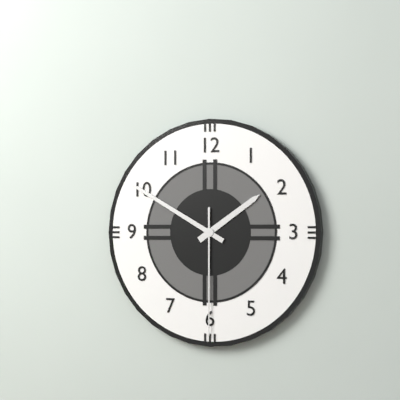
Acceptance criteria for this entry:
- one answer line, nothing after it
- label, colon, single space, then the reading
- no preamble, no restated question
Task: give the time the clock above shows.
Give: 1:50:30
